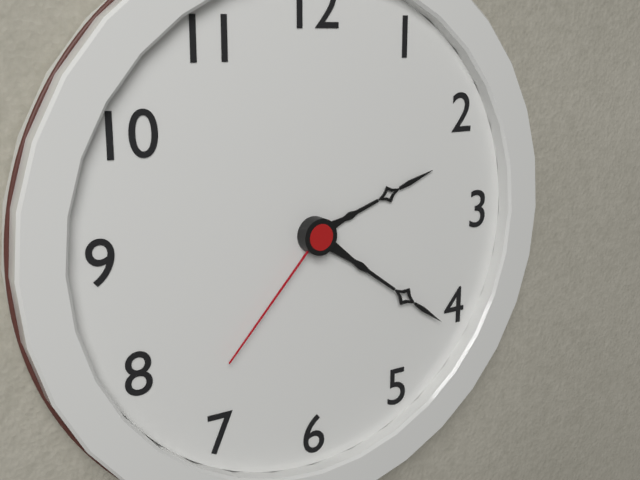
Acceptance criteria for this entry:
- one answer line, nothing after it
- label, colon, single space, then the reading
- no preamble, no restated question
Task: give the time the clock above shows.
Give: 2:21:37
